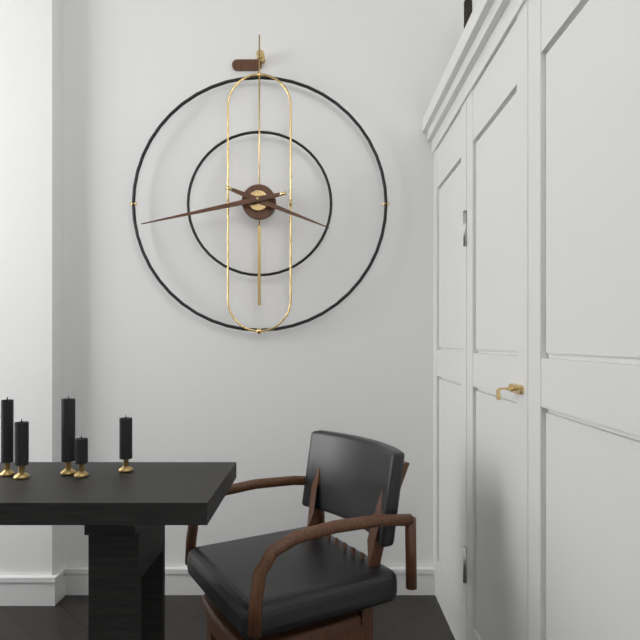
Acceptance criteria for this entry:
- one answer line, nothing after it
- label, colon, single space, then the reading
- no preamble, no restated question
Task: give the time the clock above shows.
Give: 3:43
